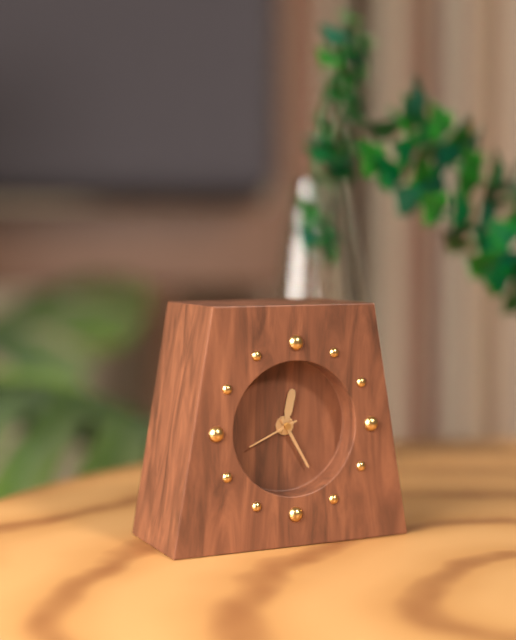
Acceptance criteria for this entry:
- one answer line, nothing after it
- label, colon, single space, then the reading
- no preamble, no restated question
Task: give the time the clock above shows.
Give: 12:25:41
